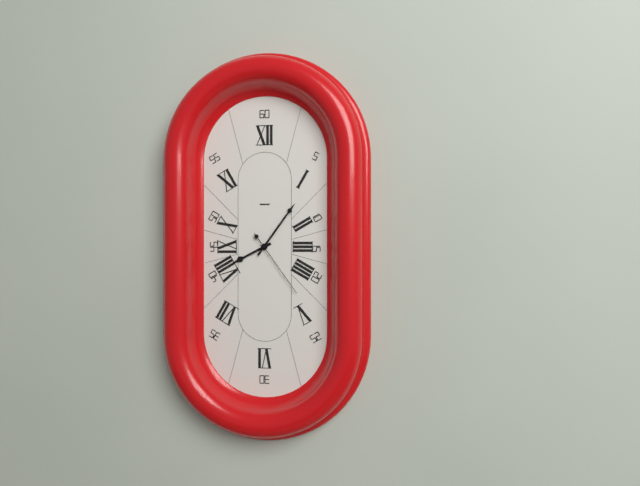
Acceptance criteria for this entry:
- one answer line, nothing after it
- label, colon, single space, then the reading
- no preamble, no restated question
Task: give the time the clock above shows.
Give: 8:06:24
